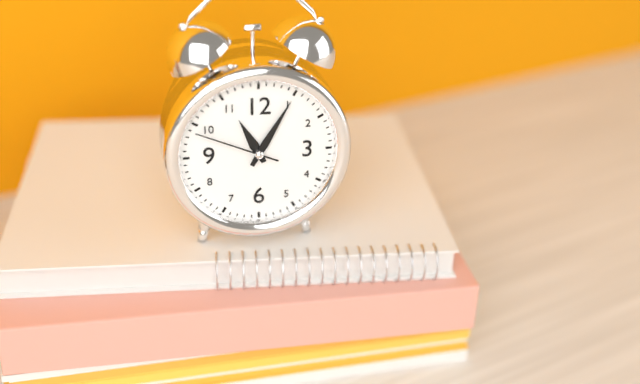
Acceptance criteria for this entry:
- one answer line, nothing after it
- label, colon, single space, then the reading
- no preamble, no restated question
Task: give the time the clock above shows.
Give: 11:05:49
